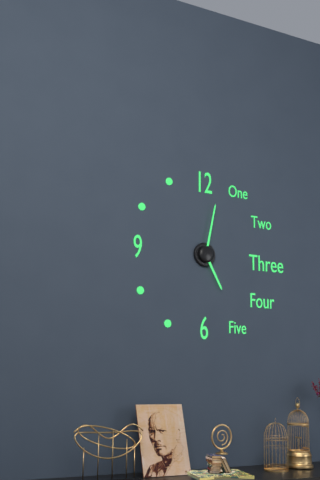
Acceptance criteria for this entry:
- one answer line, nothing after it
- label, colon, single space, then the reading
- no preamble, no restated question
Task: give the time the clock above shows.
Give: 5:02
